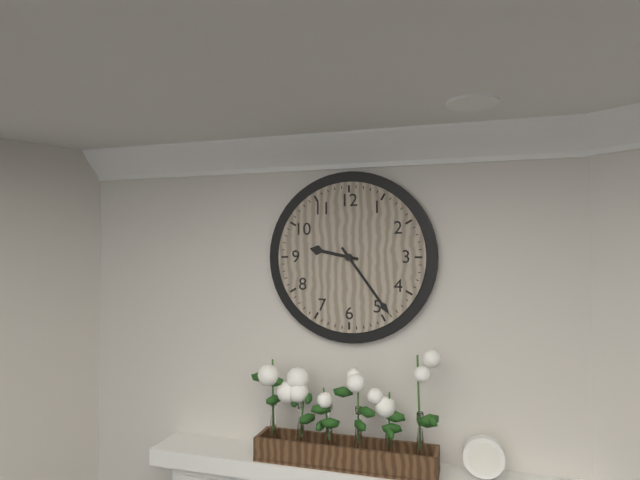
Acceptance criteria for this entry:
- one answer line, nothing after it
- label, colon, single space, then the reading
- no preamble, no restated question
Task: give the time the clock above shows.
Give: 9:24
